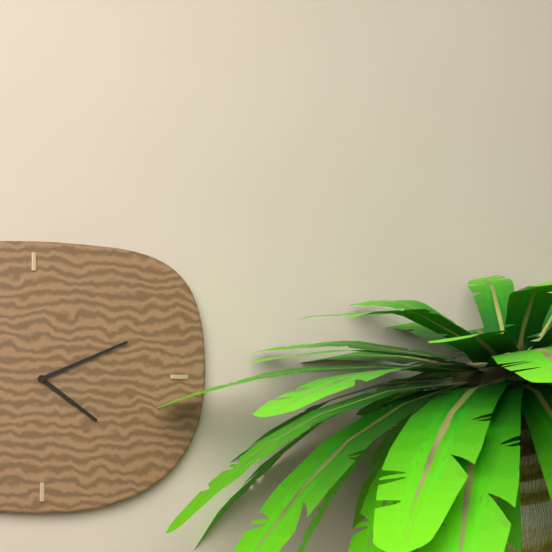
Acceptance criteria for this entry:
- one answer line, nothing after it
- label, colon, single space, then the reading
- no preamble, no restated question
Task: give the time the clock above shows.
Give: 4:11
